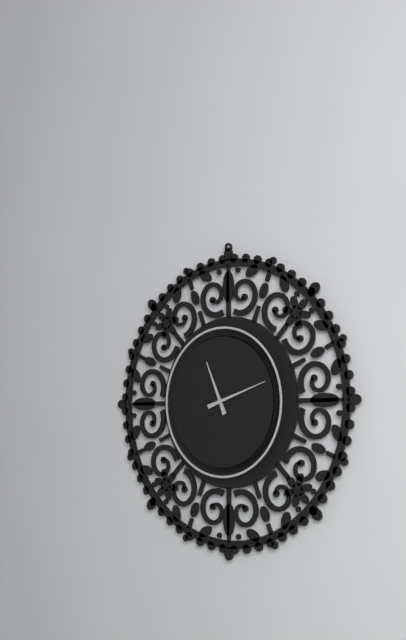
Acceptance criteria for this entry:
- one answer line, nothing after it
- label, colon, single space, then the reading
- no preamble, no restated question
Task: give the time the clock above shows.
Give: 11:12
